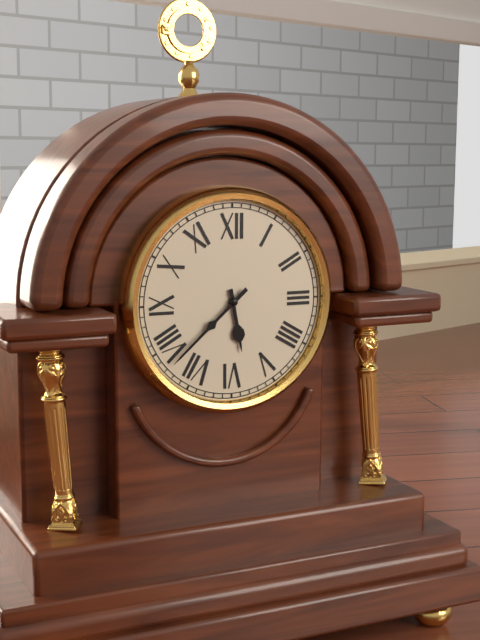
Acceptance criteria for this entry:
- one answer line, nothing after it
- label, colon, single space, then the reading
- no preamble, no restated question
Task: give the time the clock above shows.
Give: 5:38
